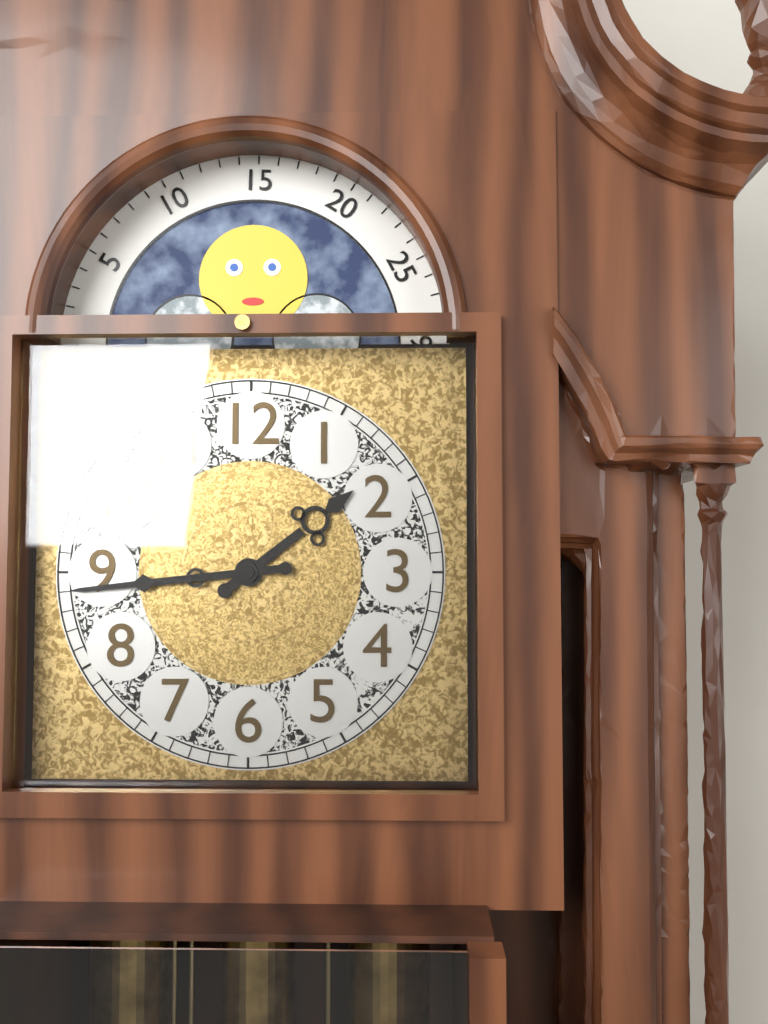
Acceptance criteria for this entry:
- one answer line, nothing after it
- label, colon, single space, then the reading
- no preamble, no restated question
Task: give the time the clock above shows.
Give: 1:44
